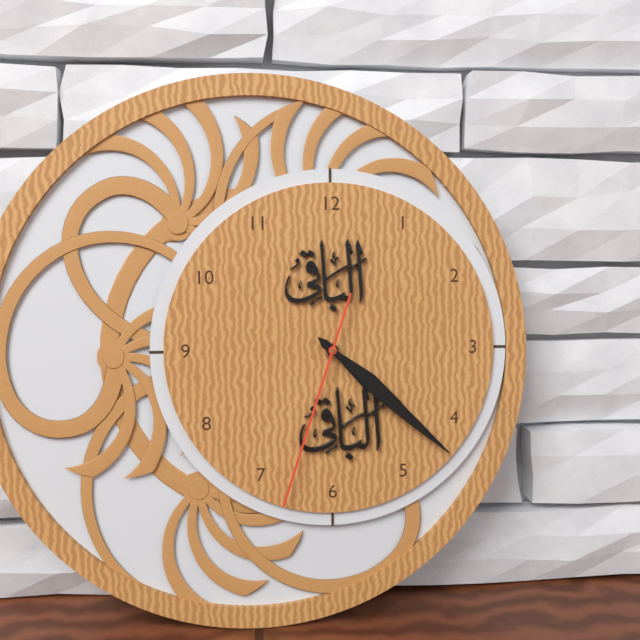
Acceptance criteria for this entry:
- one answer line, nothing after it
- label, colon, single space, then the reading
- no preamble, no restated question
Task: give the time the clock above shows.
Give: 4:22:33
